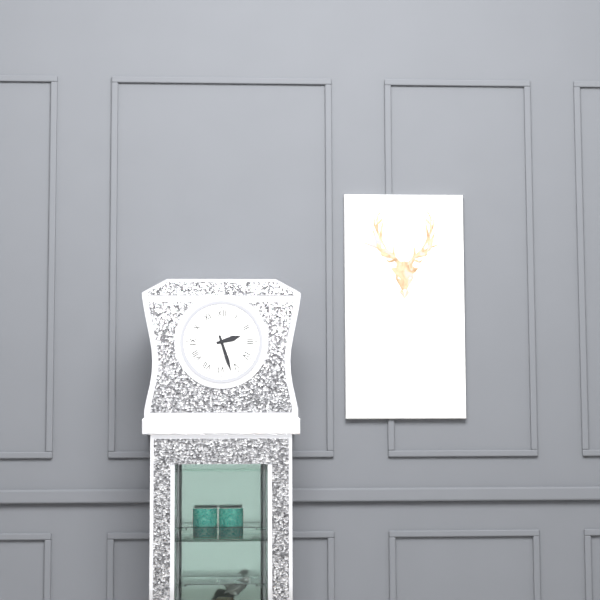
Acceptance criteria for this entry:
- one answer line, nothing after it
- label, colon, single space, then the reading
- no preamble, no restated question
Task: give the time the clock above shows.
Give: 2:27
